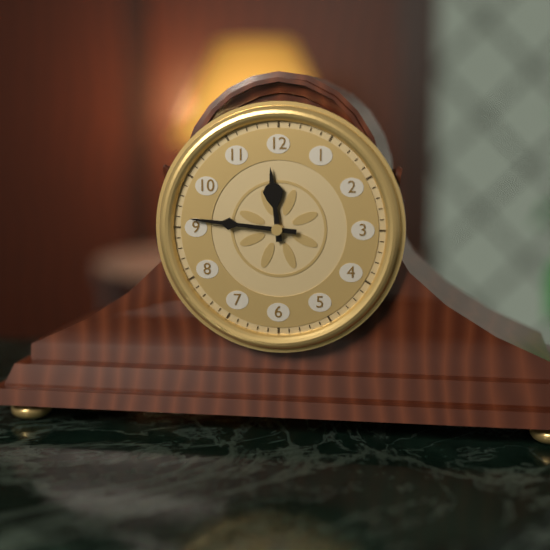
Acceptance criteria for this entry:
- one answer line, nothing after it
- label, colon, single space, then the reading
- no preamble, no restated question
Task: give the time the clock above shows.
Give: 11:46
